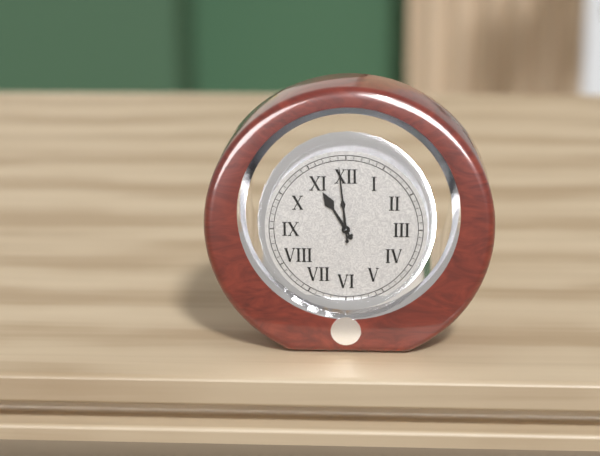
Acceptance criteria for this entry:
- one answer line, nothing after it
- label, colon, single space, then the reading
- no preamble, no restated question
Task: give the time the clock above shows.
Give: 10:59
